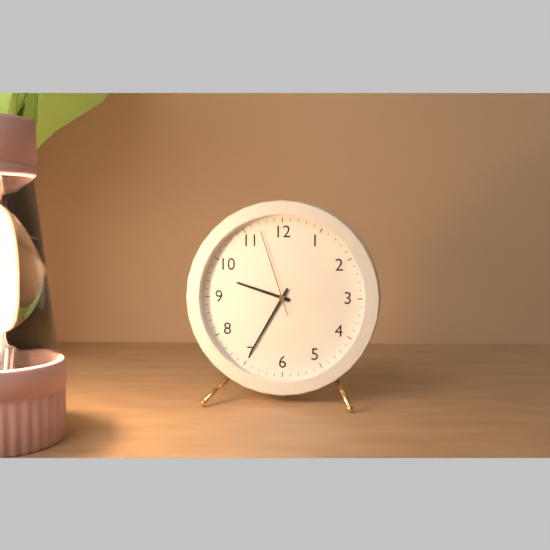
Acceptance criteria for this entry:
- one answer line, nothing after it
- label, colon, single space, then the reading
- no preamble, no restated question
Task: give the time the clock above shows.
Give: 9:35:57
